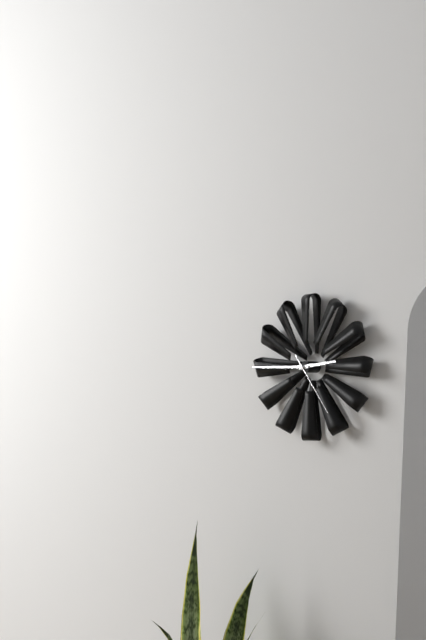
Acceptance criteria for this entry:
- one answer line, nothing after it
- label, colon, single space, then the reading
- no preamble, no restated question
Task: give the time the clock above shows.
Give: 2:45:24
